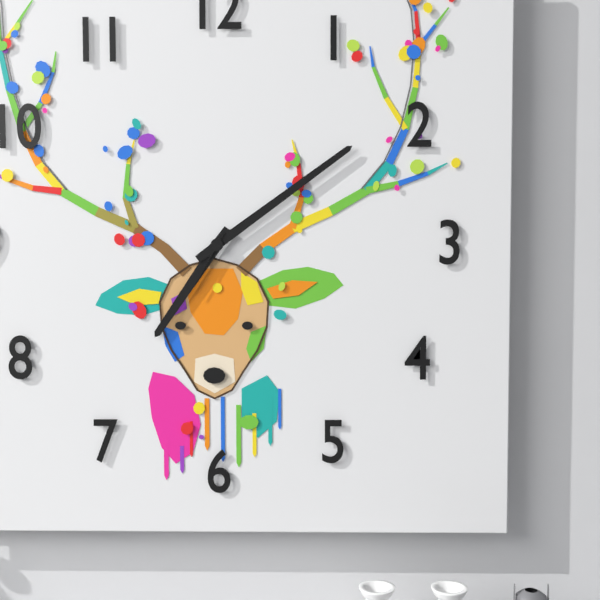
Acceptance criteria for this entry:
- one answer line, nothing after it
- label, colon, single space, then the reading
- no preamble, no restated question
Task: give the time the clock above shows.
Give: 7:09:35
